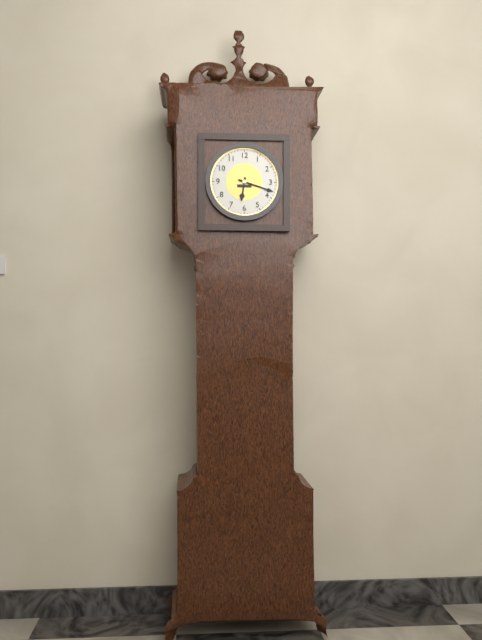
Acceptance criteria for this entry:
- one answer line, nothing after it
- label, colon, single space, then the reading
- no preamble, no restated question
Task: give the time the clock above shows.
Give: 6:18
